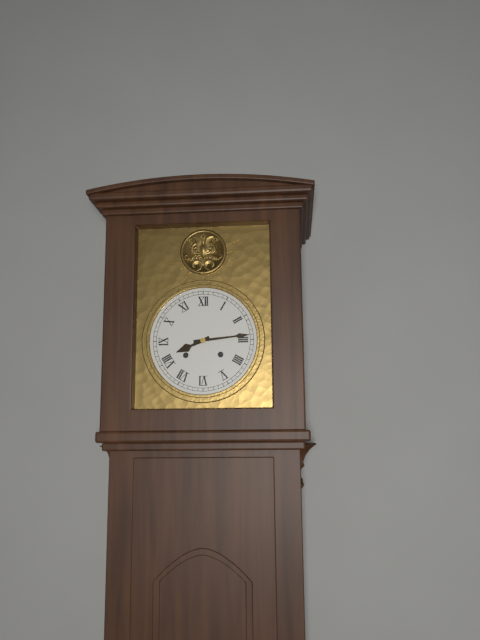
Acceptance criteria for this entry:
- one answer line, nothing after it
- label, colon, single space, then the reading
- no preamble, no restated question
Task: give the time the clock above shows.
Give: 8:14
